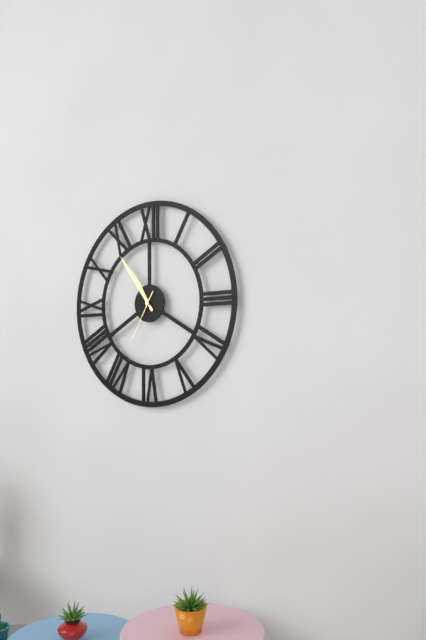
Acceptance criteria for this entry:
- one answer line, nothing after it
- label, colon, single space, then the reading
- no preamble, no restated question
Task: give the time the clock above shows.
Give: 10:54:35
